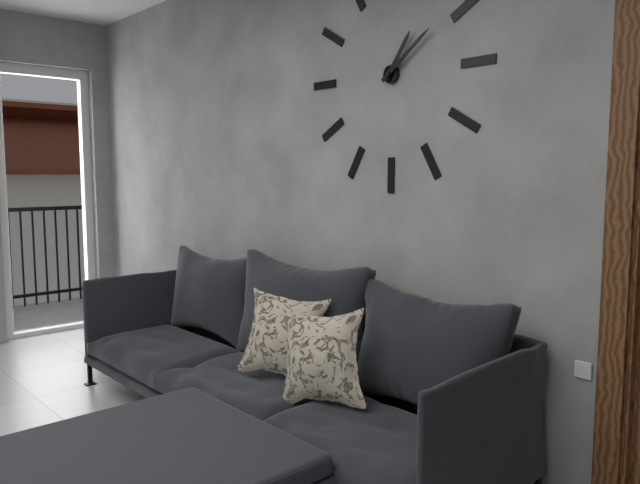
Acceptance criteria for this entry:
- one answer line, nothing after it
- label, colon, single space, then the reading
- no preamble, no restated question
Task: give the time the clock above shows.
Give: 1:09
